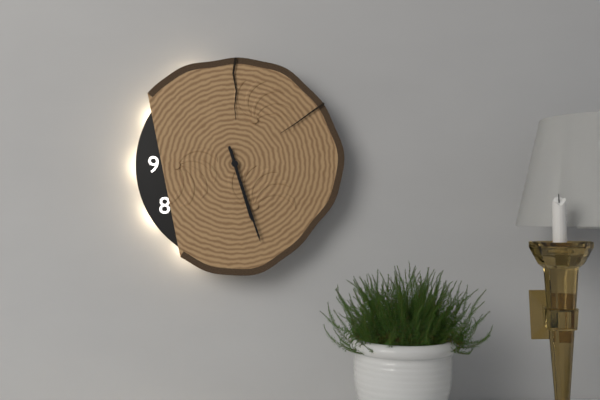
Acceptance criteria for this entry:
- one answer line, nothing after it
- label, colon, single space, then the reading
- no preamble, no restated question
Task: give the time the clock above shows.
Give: 5:27
